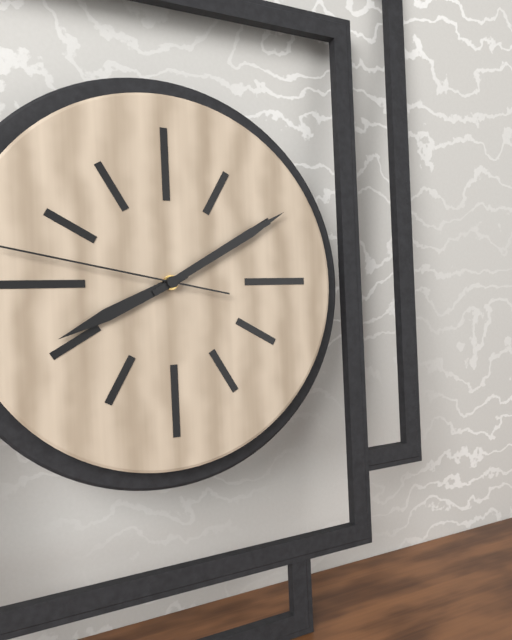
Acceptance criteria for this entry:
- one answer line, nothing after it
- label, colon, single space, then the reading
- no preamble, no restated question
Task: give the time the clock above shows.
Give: 8:10
